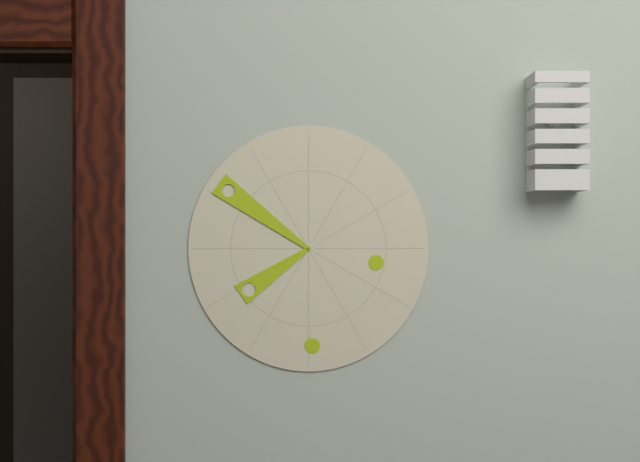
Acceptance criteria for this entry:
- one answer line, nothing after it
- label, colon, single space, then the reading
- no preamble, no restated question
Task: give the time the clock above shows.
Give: 7:51
